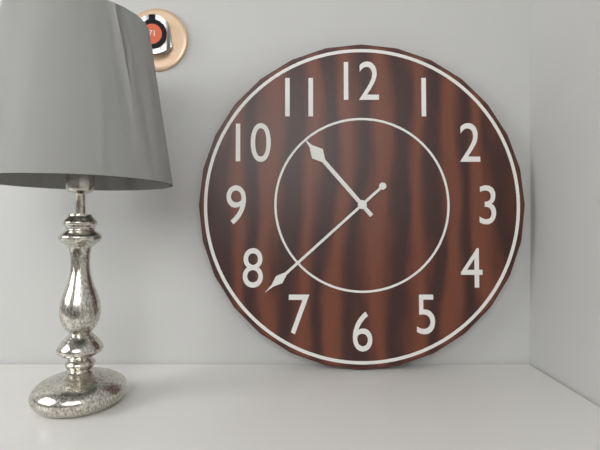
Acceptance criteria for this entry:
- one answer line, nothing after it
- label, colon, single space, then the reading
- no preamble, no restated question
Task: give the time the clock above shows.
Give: 10:38
